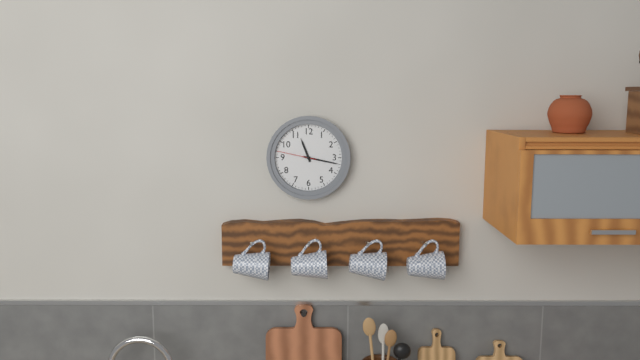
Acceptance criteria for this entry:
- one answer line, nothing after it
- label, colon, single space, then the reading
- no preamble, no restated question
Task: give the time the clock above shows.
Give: 11:17
